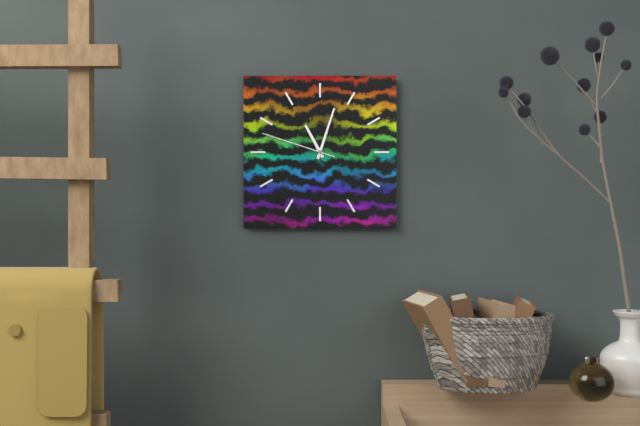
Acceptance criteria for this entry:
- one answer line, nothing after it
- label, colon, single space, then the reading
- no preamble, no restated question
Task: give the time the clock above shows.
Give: 11:03:48
